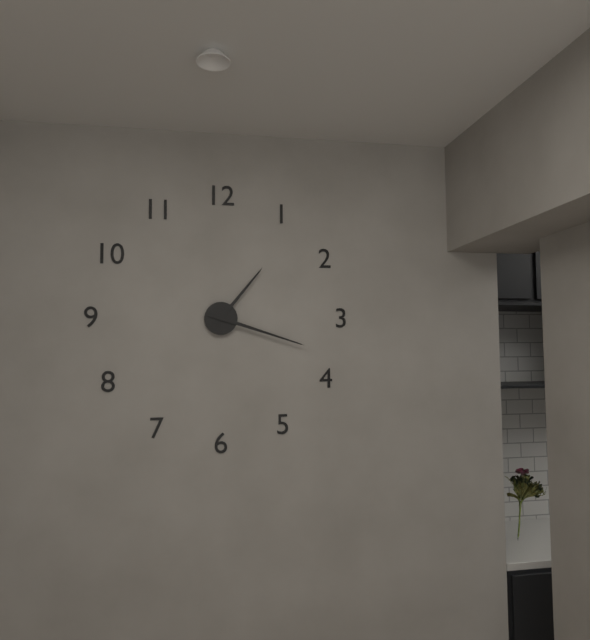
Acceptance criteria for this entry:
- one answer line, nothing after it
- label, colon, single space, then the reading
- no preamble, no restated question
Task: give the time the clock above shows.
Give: 1:18
